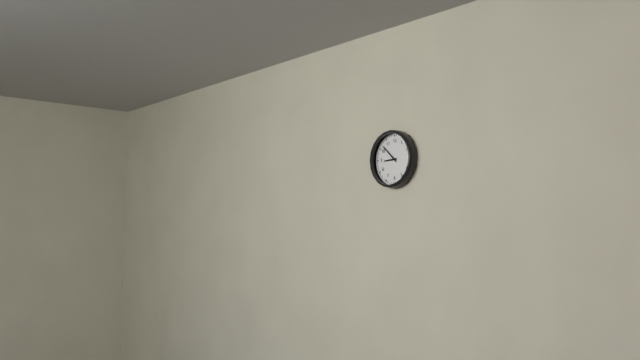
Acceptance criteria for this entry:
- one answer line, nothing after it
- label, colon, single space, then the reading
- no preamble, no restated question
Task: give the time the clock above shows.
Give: 8:52
